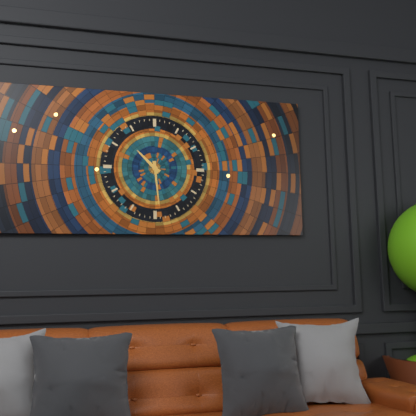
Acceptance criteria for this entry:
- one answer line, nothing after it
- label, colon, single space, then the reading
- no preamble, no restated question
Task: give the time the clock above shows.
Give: 10:29
